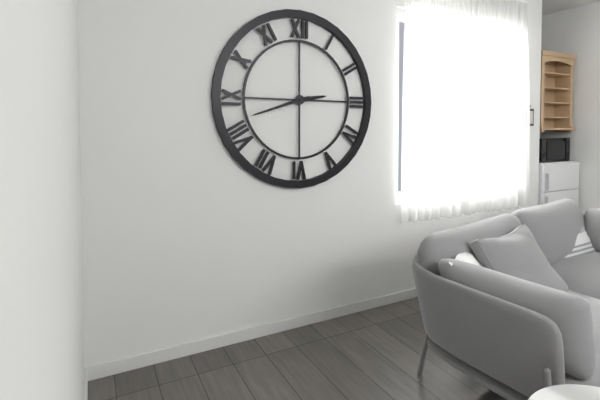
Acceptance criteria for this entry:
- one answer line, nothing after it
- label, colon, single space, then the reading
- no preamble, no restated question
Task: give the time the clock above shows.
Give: 2:42
